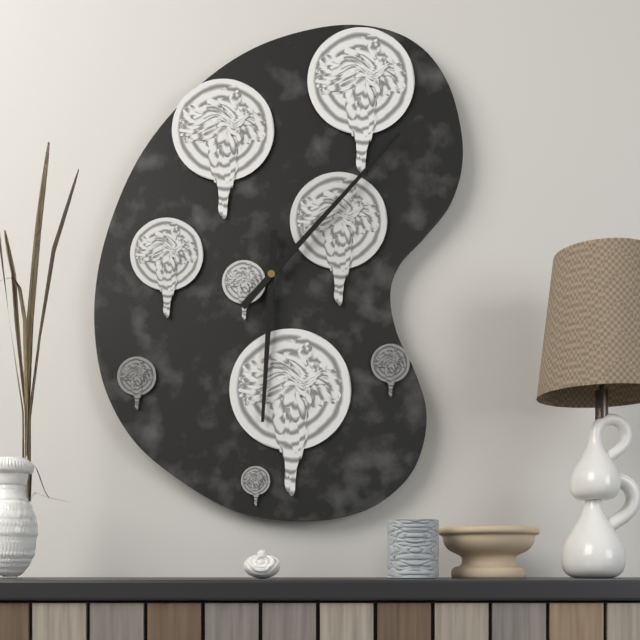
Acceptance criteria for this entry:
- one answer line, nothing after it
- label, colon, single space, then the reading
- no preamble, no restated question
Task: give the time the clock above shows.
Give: 6:07
